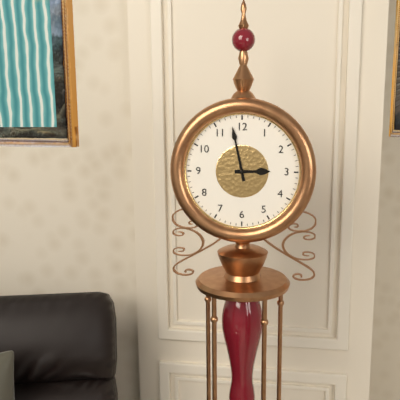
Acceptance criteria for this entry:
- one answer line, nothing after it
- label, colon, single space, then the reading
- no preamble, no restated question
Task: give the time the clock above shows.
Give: 2:58
